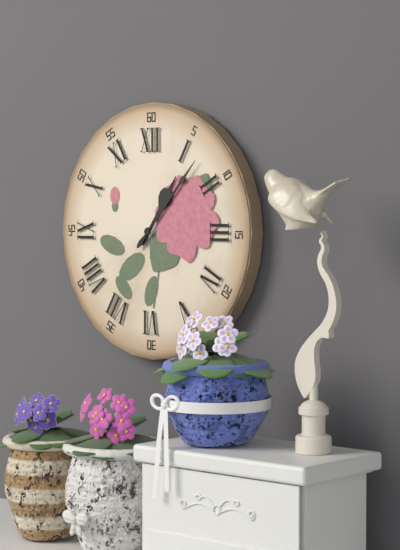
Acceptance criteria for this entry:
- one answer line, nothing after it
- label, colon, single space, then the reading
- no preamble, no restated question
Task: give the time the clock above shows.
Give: 1:07
